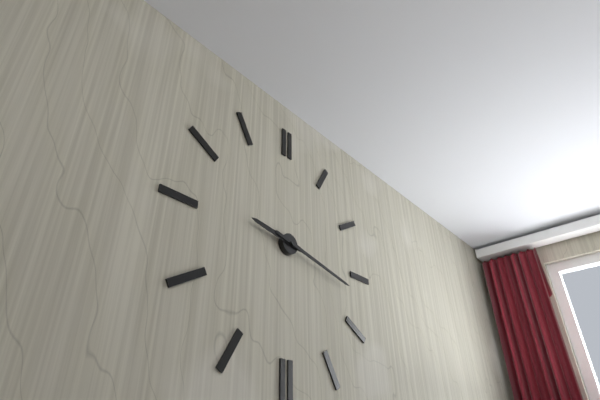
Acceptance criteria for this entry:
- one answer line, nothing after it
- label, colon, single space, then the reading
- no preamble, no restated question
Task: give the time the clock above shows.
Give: 9:17
